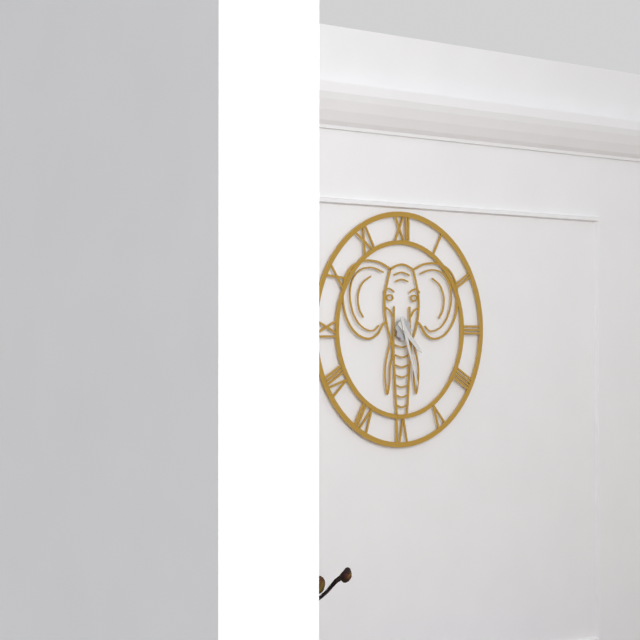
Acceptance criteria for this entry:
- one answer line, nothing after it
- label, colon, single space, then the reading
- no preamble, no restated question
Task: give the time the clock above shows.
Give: 4:27
